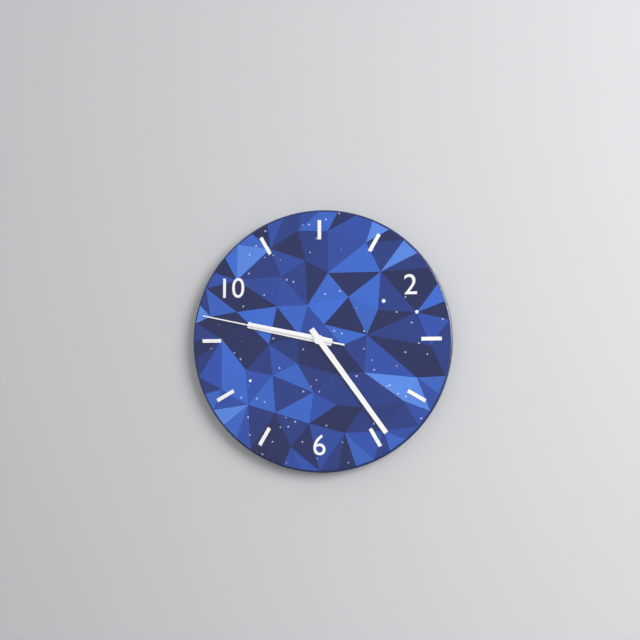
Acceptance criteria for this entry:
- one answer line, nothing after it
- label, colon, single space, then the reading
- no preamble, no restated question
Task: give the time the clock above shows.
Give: 9:24:47
